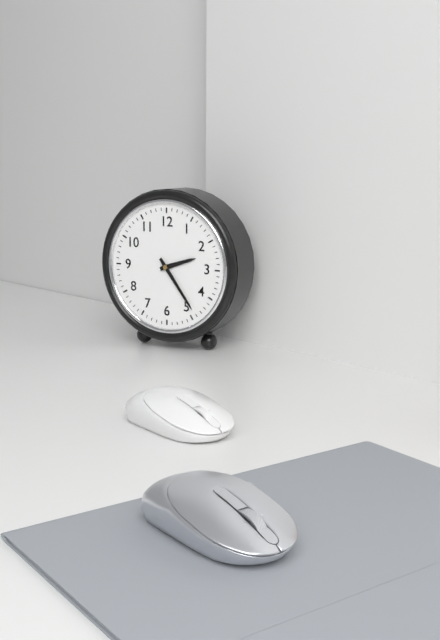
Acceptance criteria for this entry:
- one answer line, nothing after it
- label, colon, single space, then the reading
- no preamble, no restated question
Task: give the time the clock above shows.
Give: 2:24
